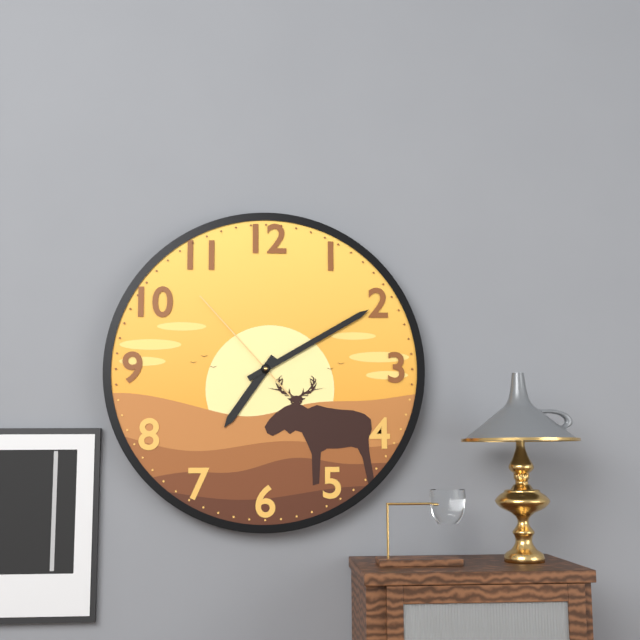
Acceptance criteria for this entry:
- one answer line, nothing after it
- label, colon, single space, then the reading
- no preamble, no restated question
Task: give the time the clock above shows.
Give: 7:10:53
